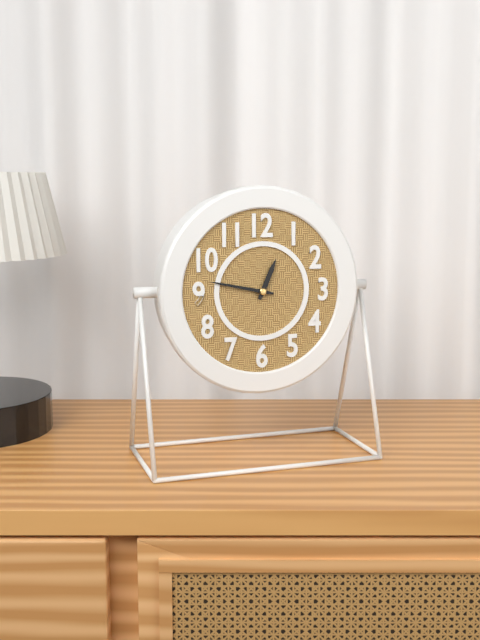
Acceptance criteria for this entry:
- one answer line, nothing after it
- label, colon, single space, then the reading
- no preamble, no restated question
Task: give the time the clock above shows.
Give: 12:47
